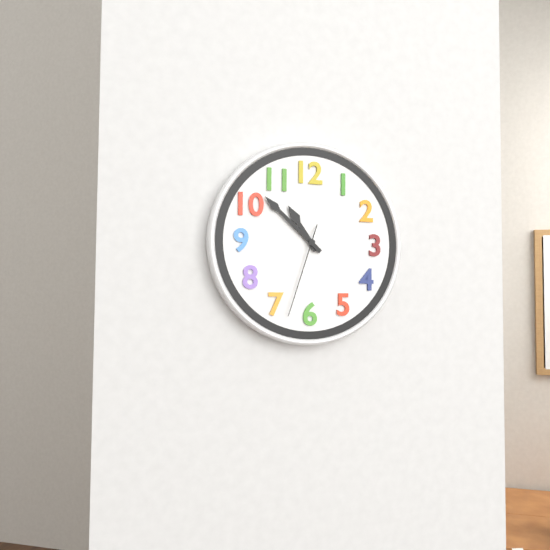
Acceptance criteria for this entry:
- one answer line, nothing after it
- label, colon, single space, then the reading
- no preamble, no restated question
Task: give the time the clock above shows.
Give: 10:52:33
